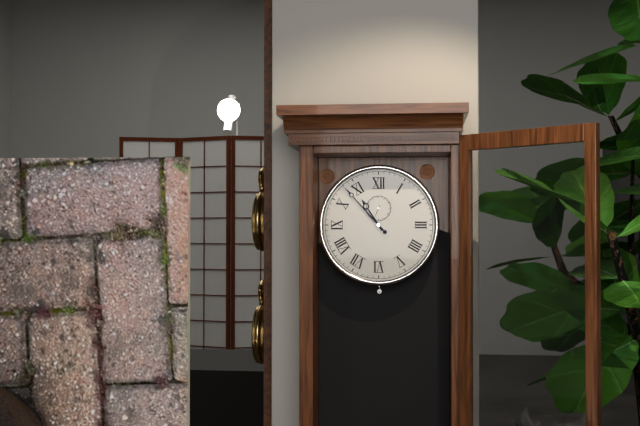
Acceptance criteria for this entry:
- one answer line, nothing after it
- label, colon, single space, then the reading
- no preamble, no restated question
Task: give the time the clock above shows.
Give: 10:53
